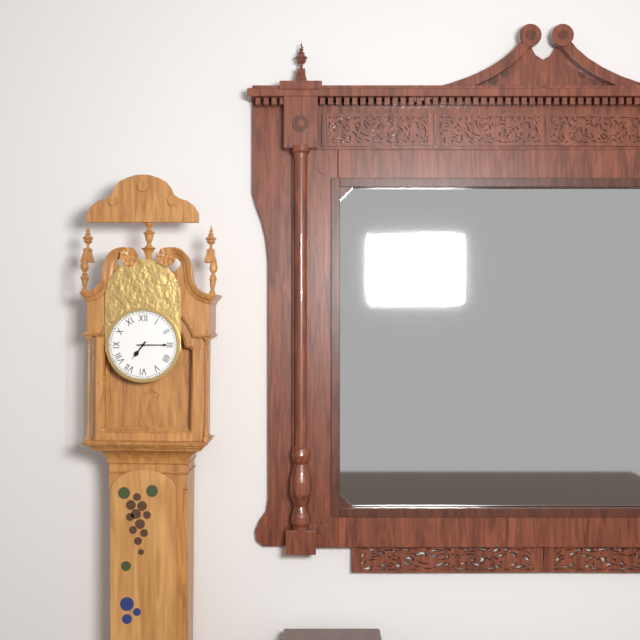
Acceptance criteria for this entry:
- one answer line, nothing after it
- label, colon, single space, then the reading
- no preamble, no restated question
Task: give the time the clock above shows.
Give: 7:15
